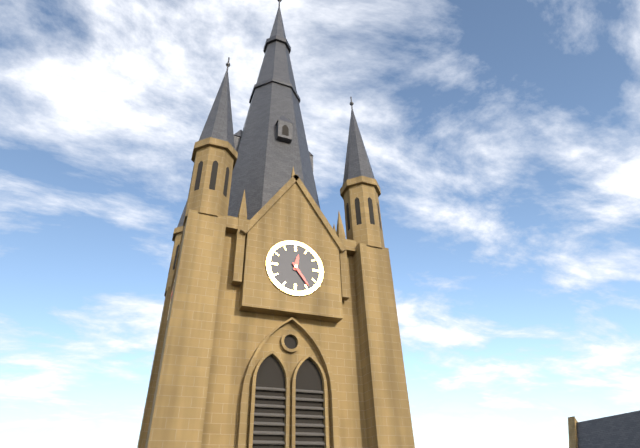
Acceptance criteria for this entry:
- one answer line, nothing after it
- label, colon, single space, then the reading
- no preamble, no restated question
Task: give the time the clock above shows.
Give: 12:24
